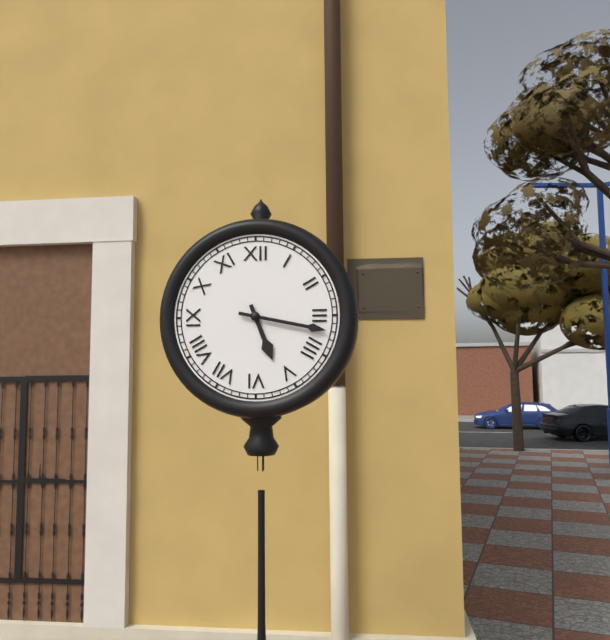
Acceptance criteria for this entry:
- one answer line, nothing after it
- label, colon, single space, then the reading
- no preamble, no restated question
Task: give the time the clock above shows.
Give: 5:17
